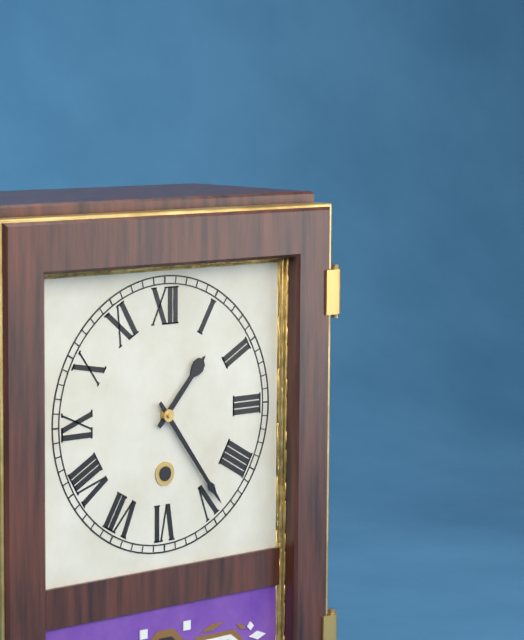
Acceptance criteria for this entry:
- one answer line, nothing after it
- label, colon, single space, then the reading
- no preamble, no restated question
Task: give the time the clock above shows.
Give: 1:24
